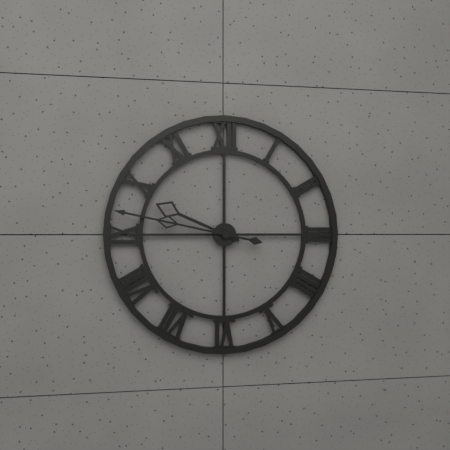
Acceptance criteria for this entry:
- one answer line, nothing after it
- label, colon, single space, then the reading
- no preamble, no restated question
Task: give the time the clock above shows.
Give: 9:47
